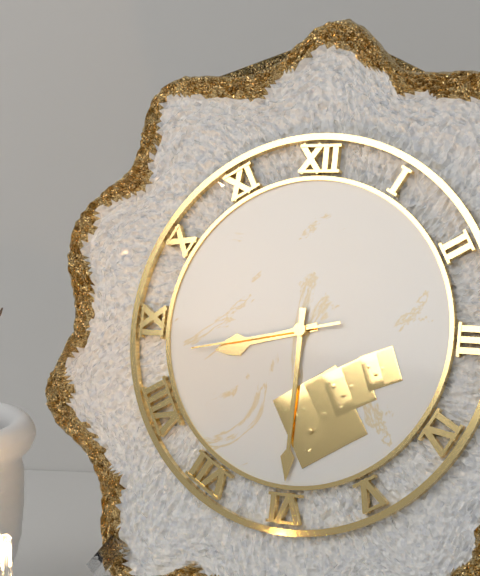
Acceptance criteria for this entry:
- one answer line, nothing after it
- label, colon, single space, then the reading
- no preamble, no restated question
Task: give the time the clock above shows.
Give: 8:30:43
